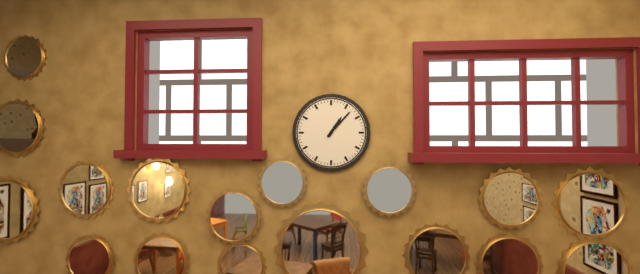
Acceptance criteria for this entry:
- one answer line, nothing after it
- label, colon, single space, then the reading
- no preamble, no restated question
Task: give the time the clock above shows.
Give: 1:07
